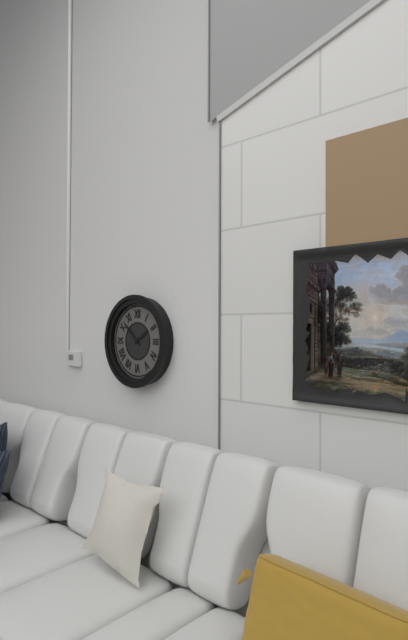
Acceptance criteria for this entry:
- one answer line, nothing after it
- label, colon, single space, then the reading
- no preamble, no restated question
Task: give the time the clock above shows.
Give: 1:52
